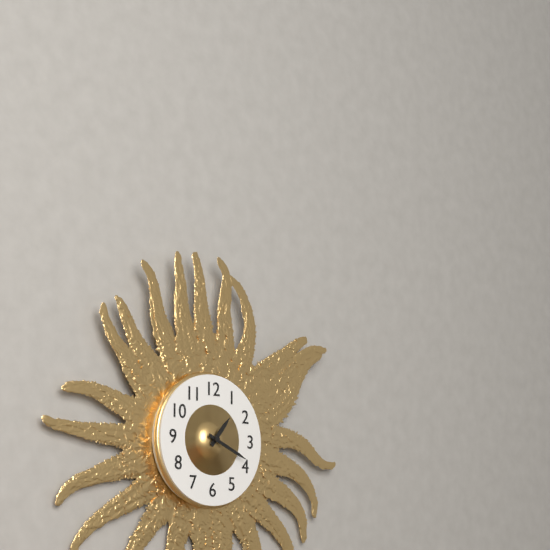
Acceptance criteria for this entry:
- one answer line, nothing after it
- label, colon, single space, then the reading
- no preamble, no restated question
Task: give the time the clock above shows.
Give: 1:19
